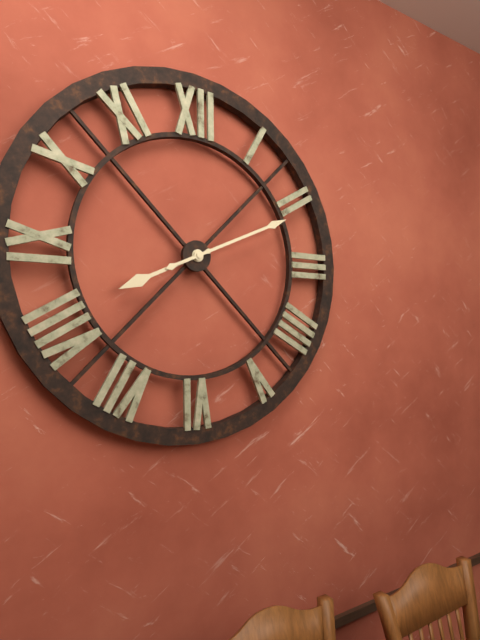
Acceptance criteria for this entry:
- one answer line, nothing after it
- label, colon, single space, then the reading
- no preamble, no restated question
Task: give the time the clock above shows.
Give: 8:11
